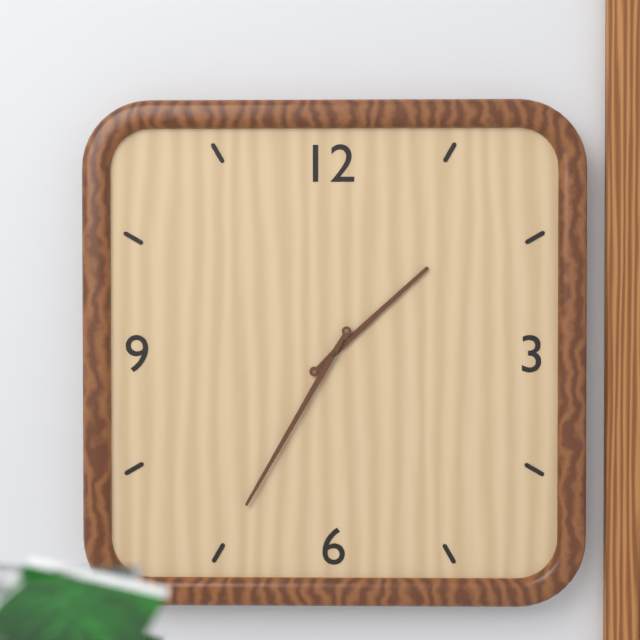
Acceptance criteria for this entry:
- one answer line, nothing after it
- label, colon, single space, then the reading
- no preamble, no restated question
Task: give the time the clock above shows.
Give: 1:35
